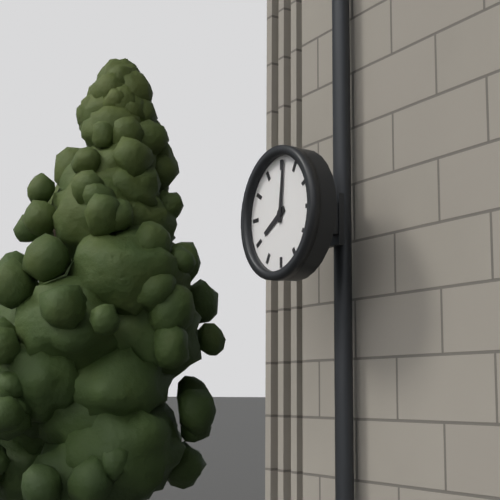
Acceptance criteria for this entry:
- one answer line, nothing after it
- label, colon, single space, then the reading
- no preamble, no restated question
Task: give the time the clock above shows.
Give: 8:01
